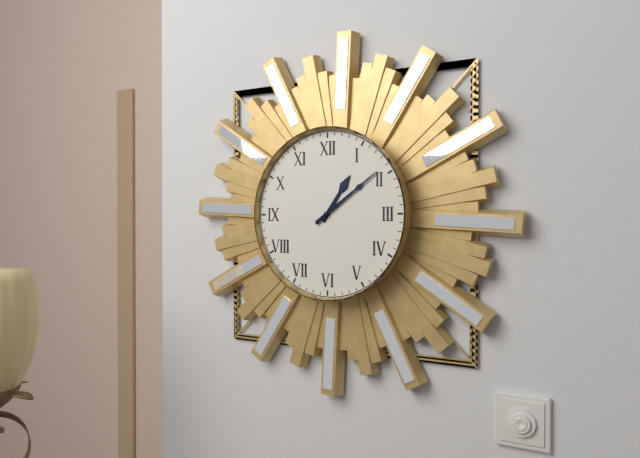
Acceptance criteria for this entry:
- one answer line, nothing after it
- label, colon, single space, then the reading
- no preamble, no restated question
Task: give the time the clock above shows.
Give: 1:09
